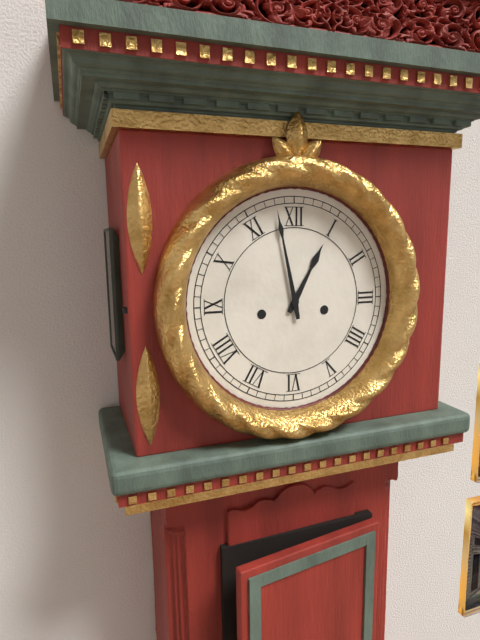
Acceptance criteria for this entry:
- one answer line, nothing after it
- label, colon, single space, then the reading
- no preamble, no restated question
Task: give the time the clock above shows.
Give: 12:58
